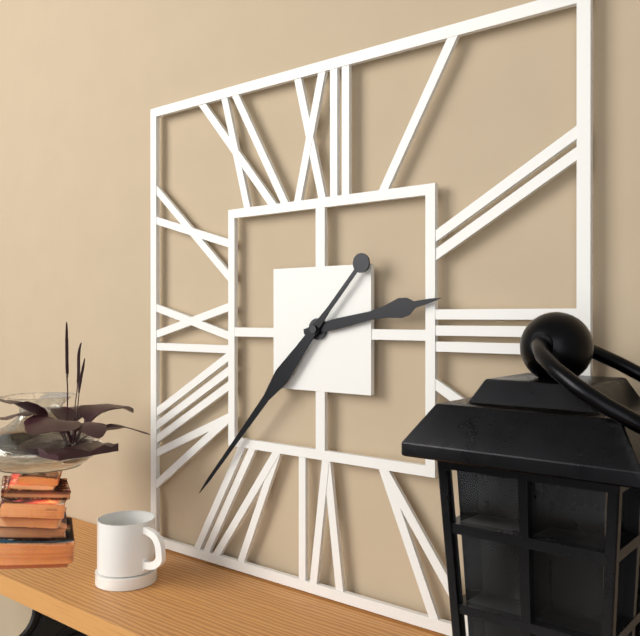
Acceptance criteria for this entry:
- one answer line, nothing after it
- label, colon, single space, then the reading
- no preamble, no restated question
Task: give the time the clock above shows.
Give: 2:37
